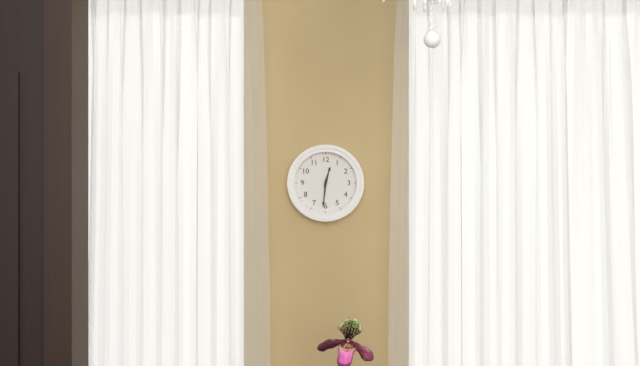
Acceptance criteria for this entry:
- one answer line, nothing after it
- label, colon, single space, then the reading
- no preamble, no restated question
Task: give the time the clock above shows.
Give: 12:31
